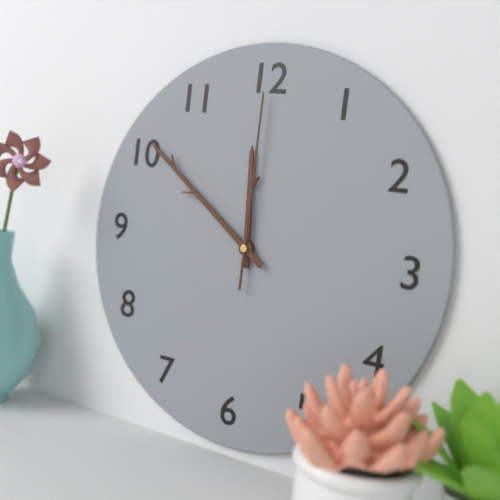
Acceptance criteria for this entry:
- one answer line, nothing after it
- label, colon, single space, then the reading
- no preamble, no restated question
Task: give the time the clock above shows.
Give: 11:51:00
